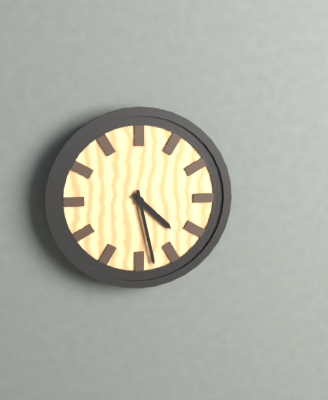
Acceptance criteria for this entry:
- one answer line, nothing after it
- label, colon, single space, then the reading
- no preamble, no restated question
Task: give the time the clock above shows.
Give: 4:28
